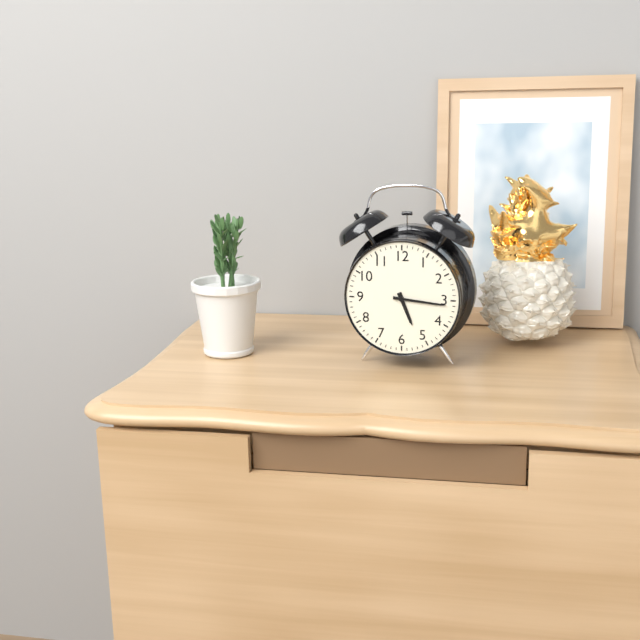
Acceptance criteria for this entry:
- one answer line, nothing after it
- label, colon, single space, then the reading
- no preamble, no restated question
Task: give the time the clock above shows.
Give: 5:16
